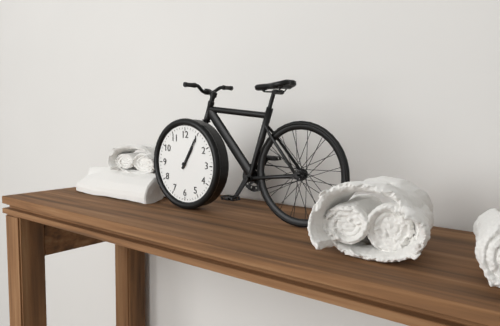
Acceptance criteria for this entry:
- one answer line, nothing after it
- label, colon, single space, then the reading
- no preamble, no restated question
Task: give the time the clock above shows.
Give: 1:05
